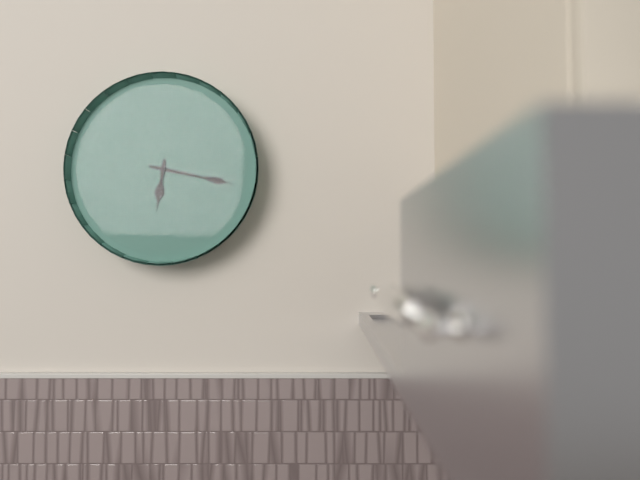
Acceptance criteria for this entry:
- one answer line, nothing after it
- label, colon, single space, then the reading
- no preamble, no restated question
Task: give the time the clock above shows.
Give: 6:17
